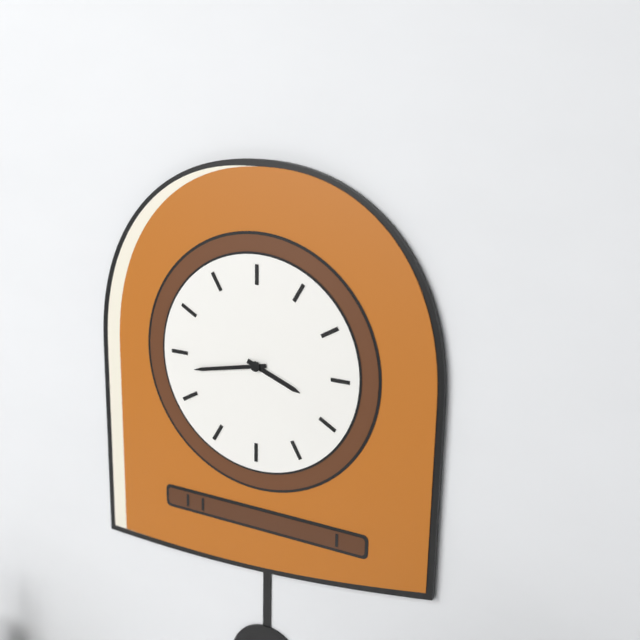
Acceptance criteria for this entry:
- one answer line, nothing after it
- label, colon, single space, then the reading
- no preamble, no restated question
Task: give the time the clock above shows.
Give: 3:43
